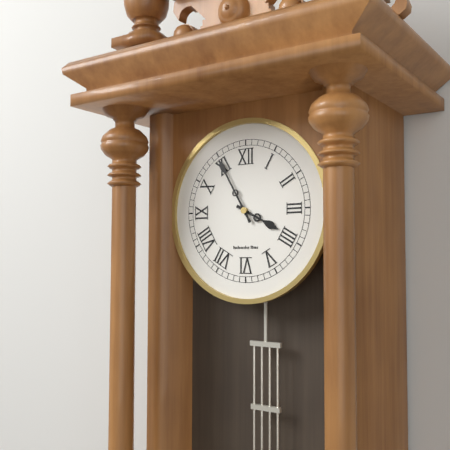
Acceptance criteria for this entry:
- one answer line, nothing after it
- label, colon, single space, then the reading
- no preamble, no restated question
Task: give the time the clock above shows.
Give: 3:55
